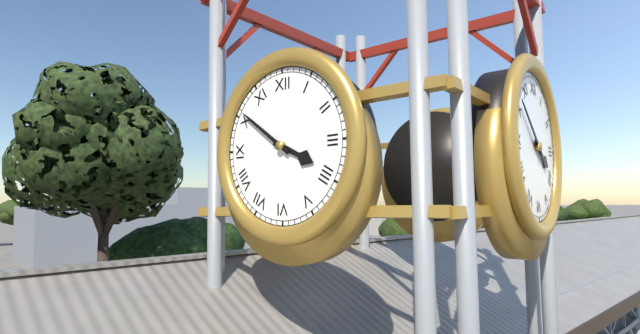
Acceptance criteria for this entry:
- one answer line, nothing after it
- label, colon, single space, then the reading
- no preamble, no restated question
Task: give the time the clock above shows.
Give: 3:51
